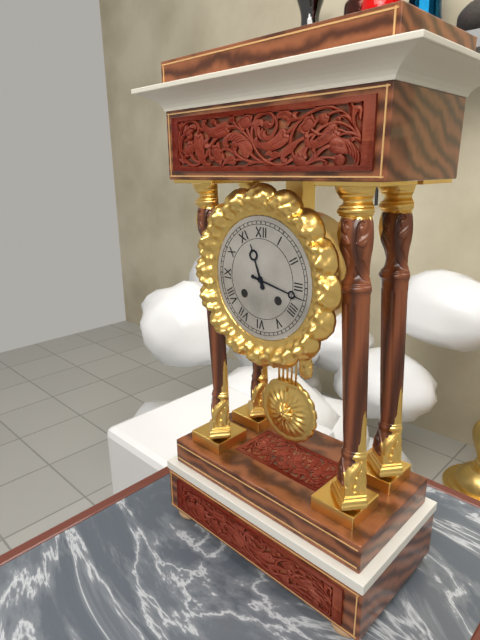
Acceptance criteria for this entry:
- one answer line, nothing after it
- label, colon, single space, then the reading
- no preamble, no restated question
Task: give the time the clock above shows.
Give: 11:17
